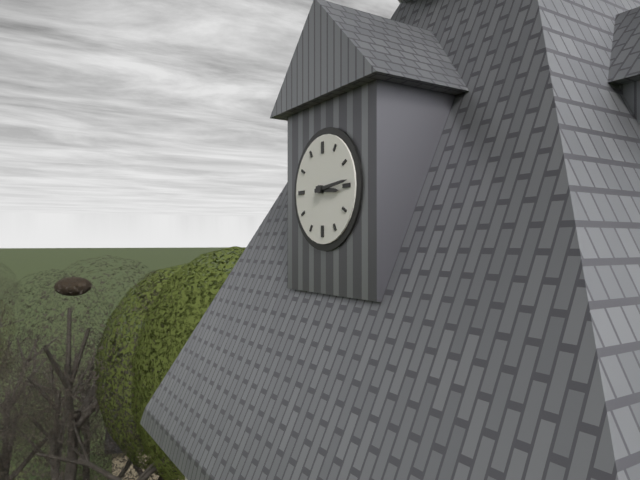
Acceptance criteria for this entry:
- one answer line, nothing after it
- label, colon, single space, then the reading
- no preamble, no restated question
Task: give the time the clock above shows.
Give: 3:14
